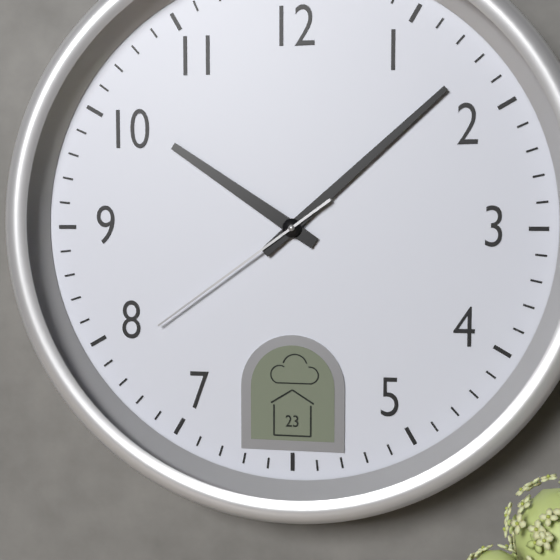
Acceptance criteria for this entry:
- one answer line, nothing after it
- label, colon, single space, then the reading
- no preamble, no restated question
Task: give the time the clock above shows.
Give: 10:08:39
